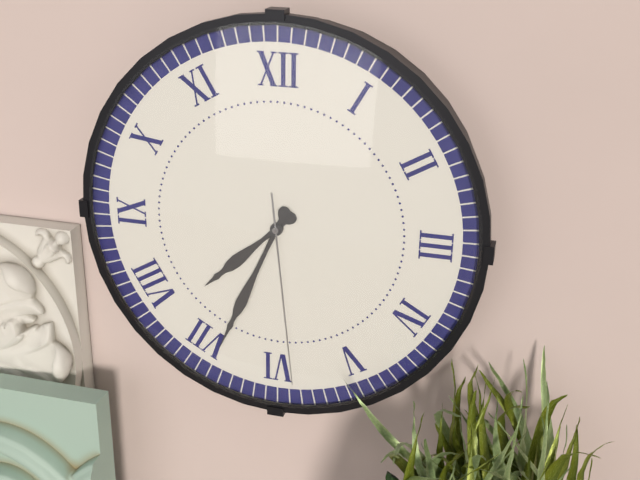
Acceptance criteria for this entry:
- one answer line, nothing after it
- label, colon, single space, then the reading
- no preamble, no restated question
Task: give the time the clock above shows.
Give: 7:34:29
